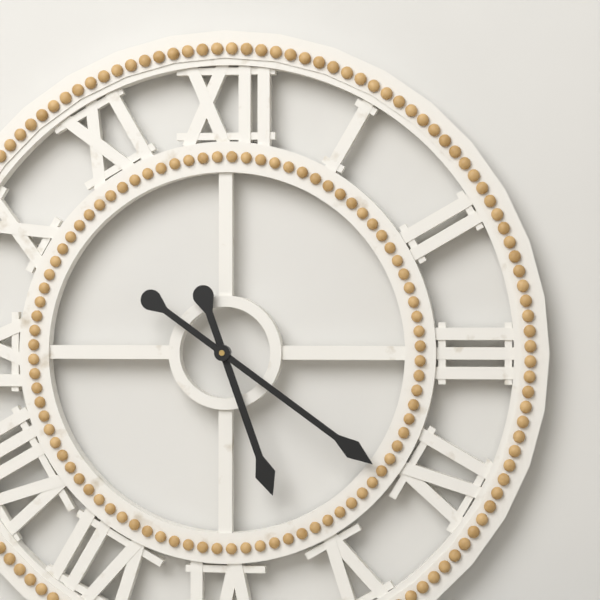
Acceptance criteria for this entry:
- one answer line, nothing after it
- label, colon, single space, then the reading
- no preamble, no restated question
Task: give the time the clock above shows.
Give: 5:21
